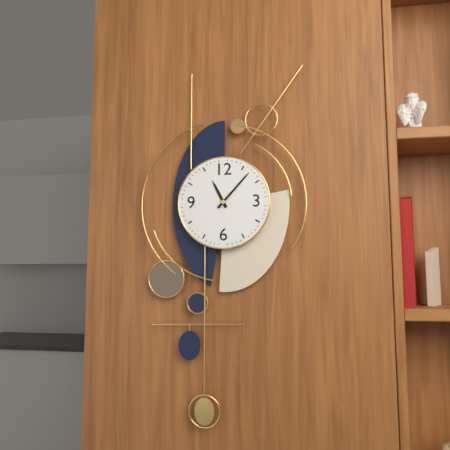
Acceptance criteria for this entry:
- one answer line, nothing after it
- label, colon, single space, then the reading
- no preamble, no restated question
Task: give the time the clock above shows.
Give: 11:07
